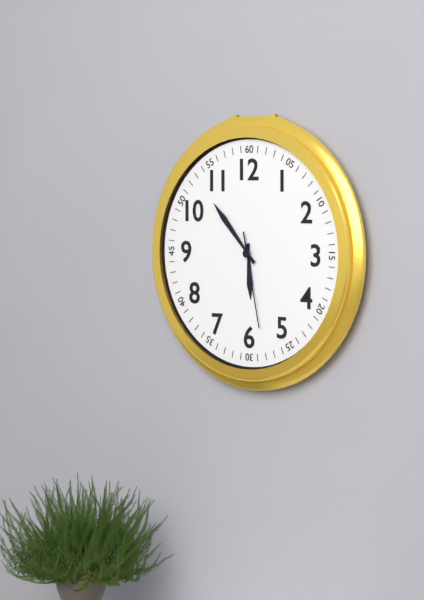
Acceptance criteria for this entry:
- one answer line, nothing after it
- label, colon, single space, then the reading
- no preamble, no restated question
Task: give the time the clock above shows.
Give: 5:53:28
